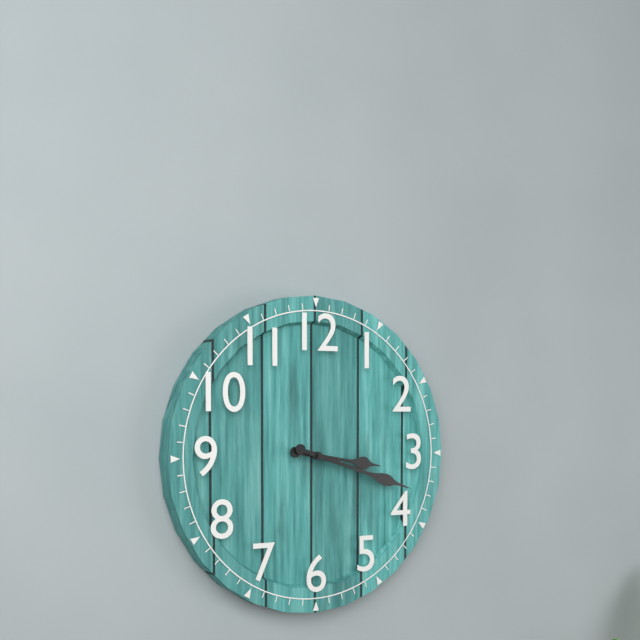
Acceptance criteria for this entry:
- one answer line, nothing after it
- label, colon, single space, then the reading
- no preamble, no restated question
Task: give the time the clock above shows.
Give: 3:18
